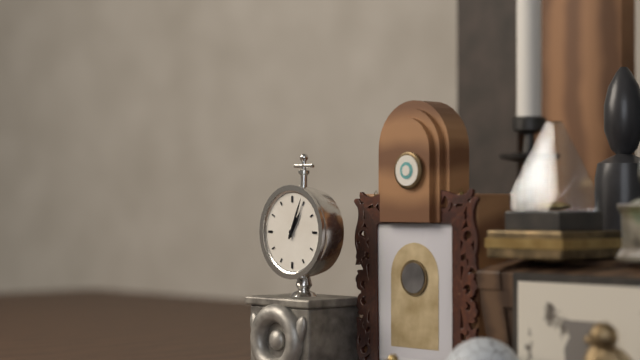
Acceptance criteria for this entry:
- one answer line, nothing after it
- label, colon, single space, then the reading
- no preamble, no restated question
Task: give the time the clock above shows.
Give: 1:04
